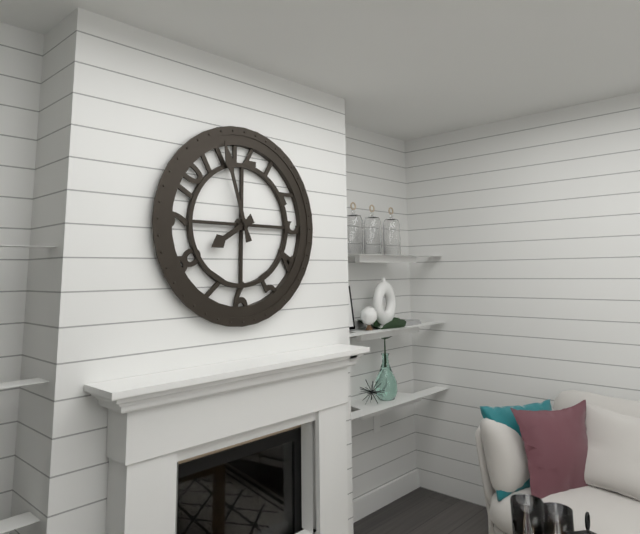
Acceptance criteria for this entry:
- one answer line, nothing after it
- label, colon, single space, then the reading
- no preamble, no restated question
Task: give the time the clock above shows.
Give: 7:57
